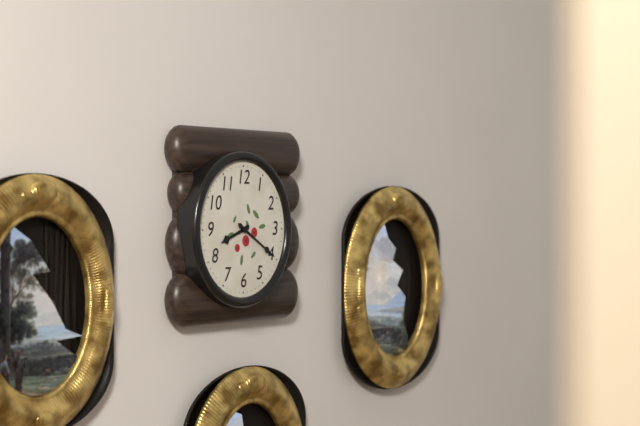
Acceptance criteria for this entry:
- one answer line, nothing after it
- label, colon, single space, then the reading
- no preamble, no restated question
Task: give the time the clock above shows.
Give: 8:20
